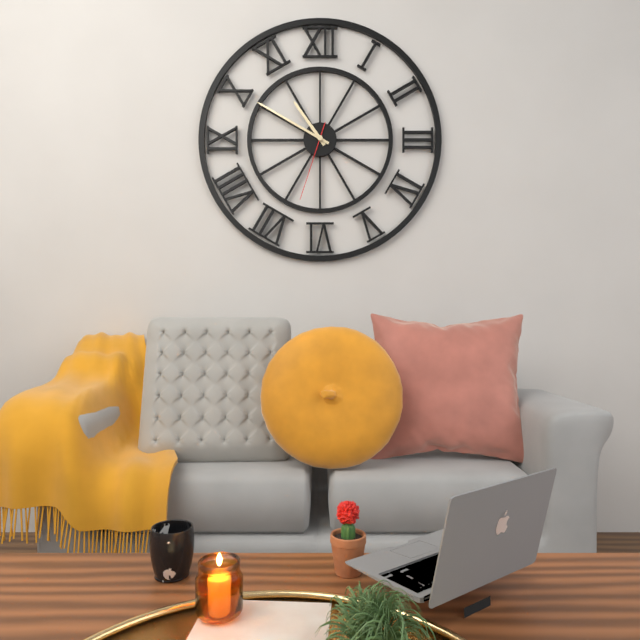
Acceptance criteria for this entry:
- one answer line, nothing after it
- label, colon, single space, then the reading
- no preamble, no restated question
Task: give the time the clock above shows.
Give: 10:50:33
